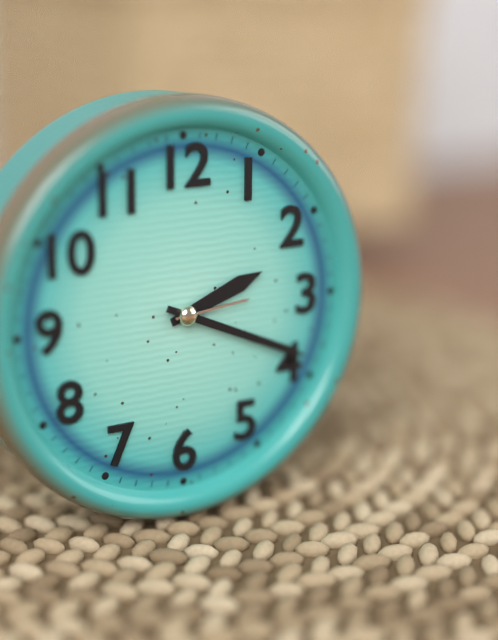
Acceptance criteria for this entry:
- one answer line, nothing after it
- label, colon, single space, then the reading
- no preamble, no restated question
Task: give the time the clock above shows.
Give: 2:19:14
